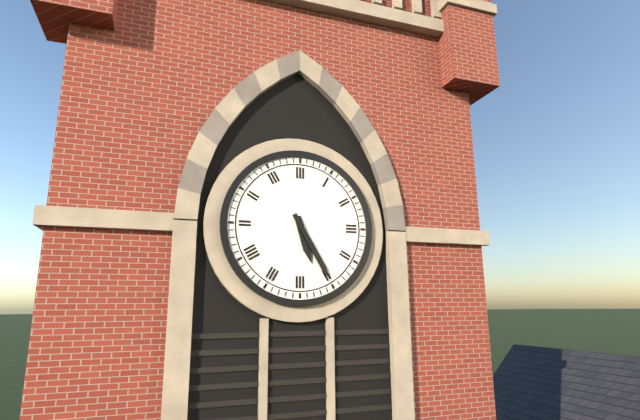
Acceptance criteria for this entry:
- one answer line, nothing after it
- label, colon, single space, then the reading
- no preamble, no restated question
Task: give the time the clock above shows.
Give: 5:25
